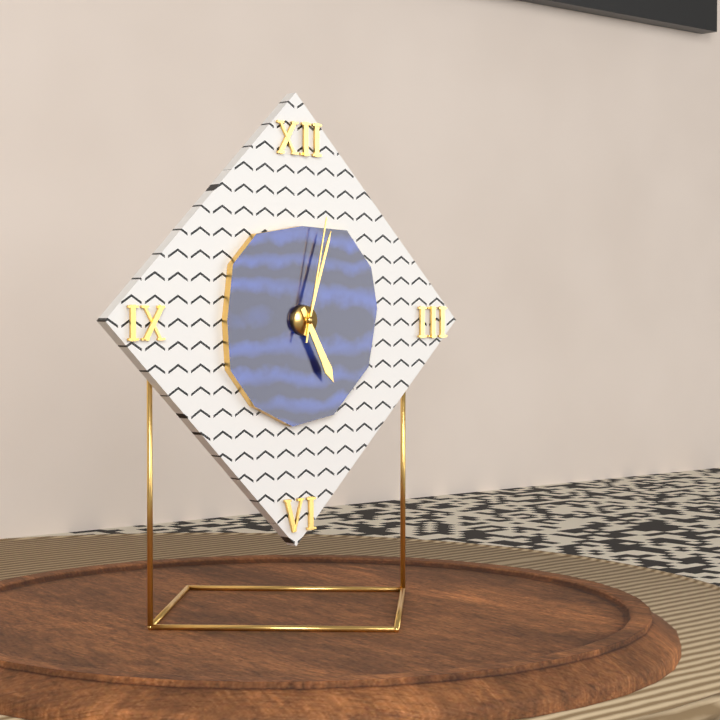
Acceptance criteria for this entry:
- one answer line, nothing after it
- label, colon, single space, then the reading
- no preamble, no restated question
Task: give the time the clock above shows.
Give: 5:03:02
